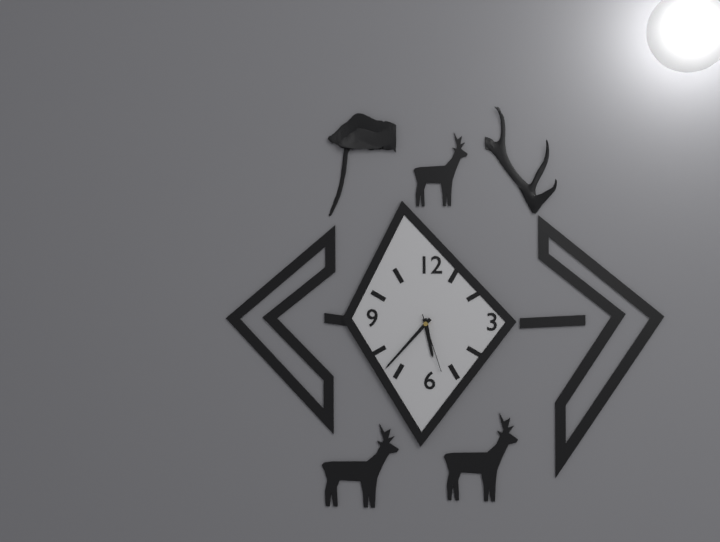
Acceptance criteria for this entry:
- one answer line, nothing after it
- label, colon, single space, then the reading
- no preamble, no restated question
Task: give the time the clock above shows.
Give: 5:37:27
